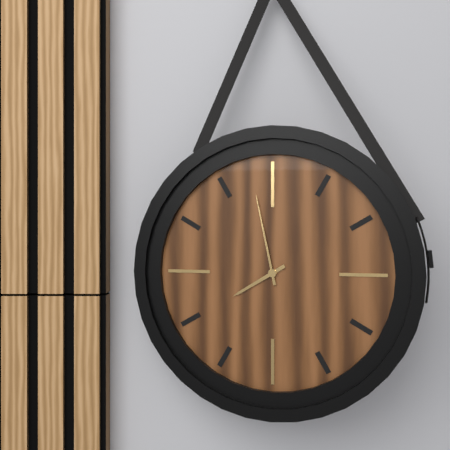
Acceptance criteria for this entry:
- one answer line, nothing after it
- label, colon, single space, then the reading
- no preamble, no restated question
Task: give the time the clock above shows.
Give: 7:58
